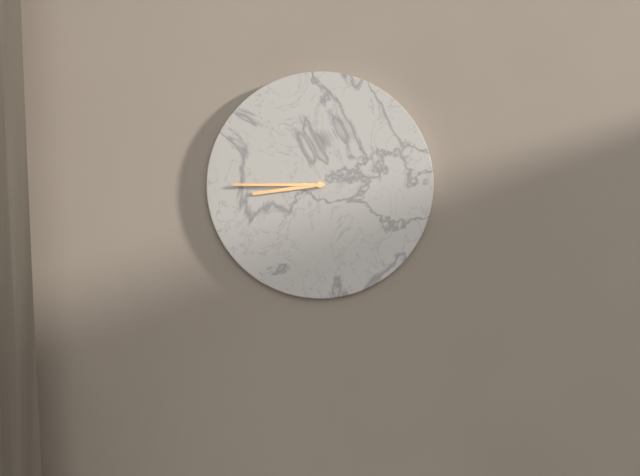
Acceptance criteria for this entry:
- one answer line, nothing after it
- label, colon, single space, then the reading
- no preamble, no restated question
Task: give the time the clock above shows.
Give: 8:45
